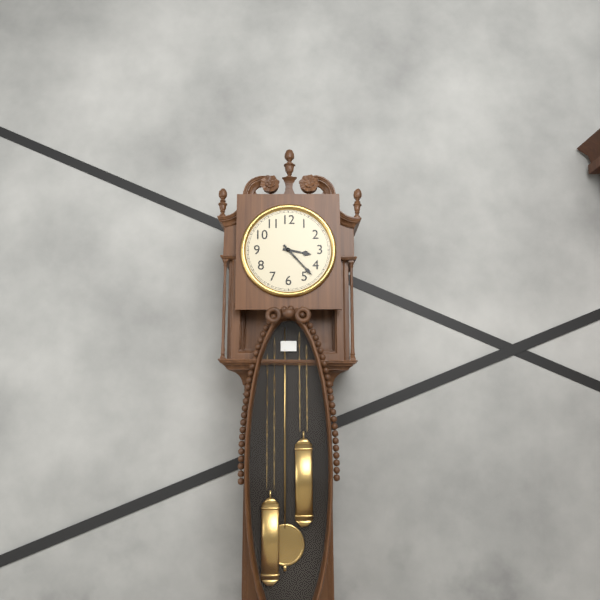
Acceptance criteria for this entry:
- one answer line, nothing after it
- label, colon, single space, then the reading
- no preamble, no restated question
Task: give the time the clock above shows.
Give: 3:23
